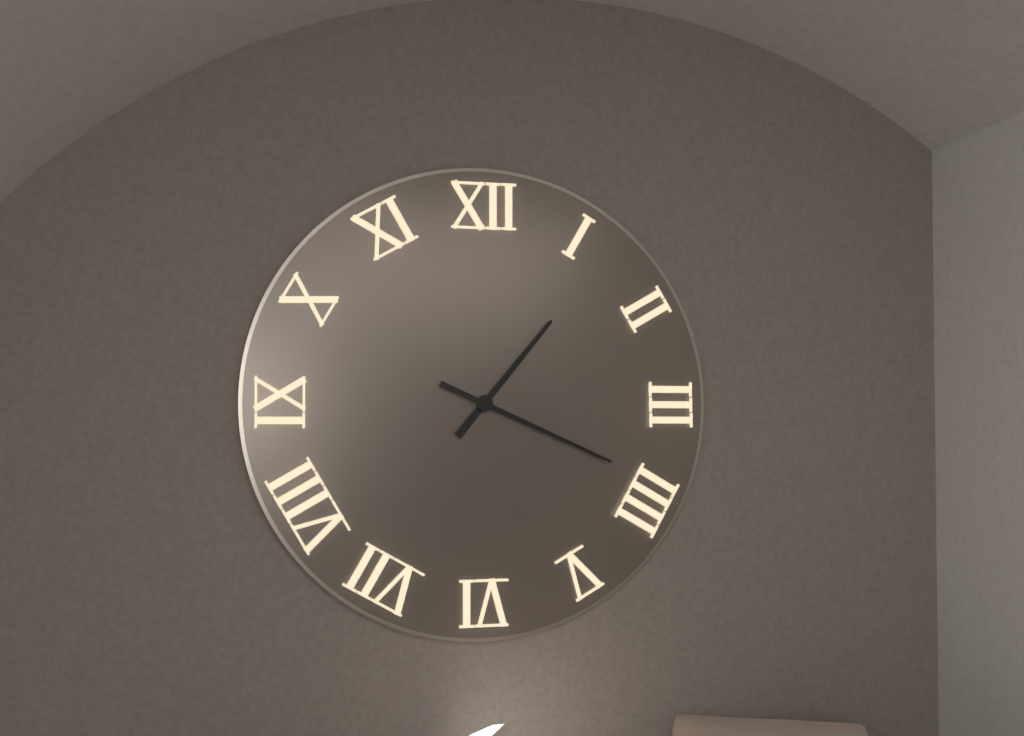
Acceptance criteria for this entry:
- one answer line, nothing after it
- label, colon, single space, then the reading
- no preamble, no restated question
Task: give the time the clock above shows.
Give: 1:19
